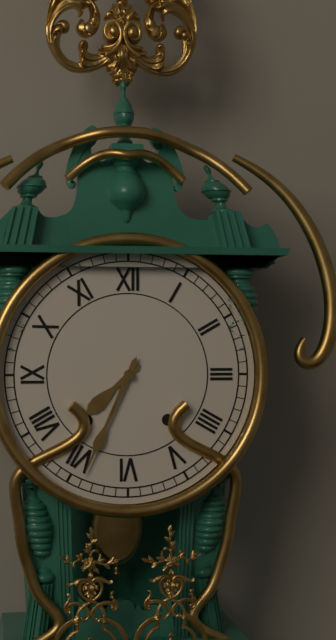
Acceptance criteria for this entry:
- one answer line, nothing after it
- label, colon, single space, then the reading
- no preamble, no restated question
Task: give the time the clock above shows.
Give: 7:34
